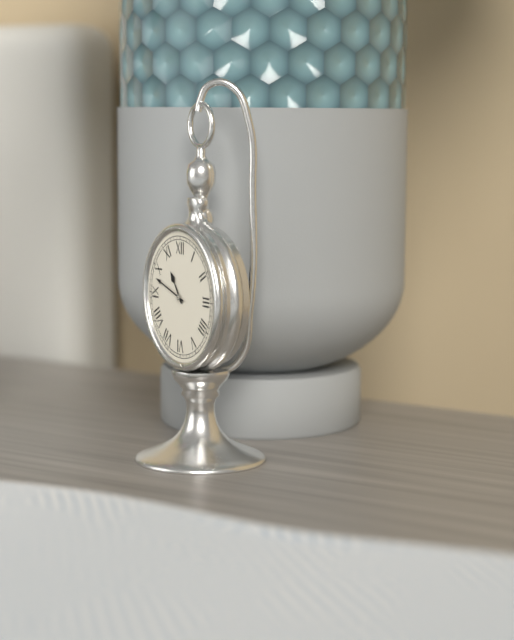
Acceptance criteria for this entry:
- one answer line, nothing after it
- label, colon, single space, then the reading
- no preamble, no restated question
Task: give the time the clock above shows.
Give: 10:48
